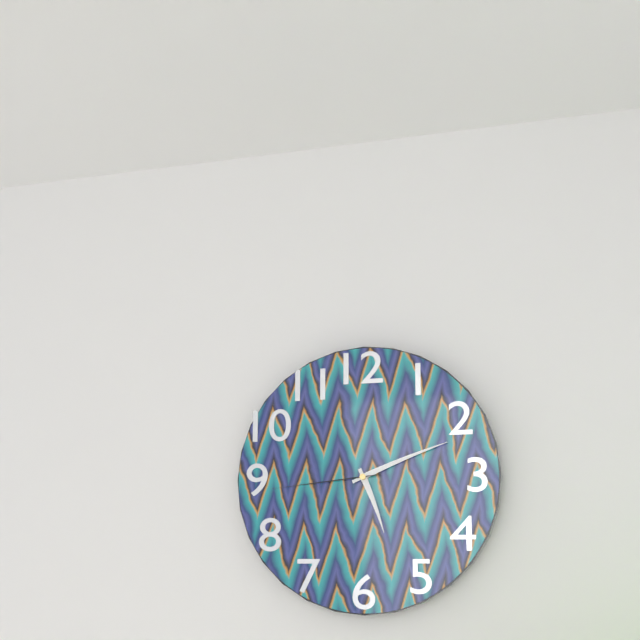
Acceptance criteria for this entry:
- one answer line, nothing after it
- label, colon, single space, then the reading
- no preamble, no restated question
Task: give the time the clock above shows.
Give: 5:11:44
